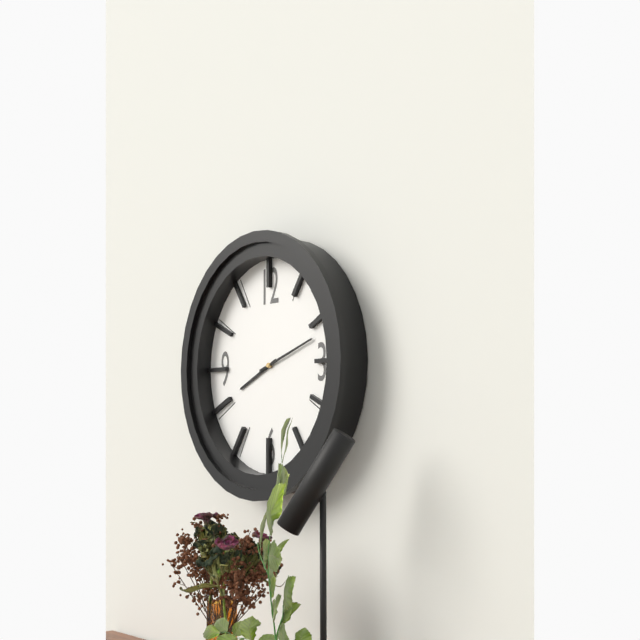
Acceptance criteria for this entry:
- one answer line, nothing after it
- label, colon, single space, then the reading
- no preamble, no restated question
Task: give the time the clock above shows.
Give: 8:12
